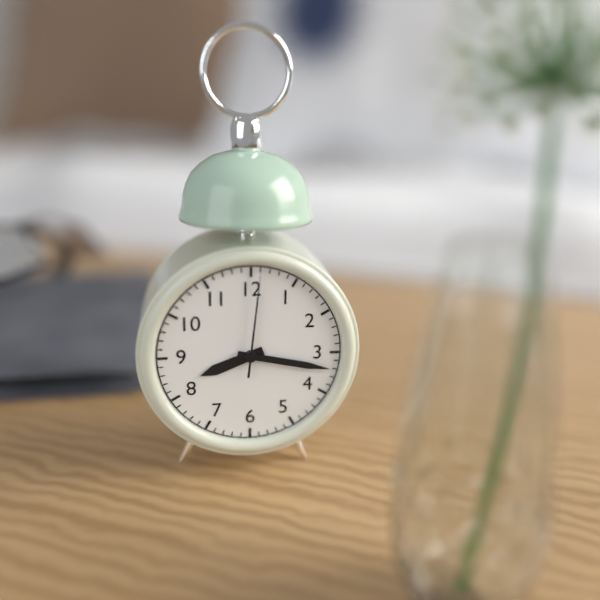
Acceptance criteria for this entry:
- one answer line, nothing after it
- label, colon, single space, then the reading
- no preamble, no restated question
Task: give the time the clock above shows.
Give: 8:17:01
